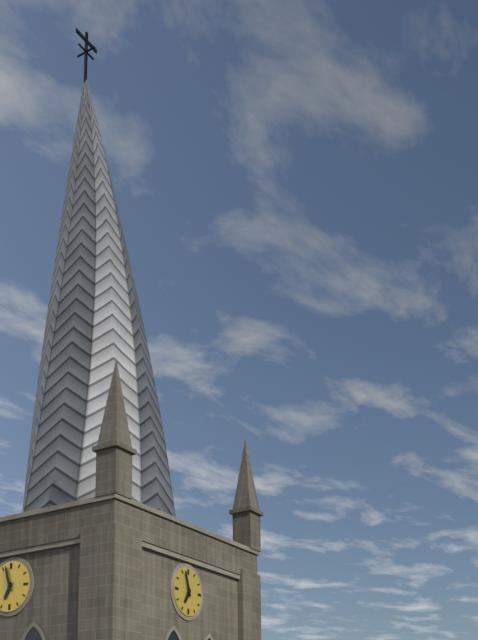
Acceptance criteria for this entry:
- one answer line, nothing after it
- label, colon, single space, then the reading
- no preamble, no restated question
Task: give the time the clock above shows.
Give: 6:57
